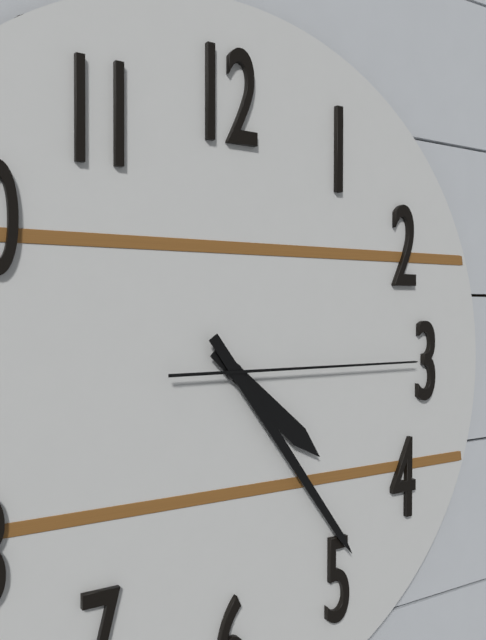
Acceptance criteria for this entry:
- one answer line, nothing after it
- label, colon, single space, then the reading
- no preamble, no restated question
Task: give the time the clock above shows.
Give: 4:24:15
